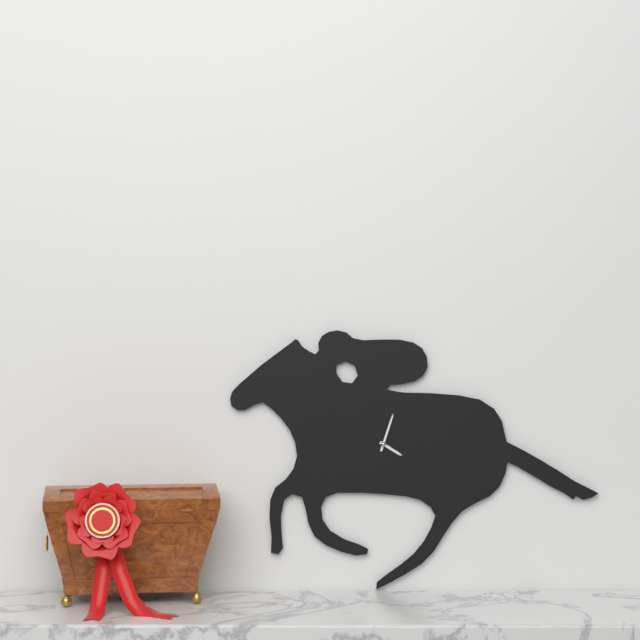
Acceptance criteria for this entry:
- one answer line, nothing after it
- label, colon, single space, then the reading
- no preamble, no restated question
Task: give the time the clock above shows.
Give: 4:03
